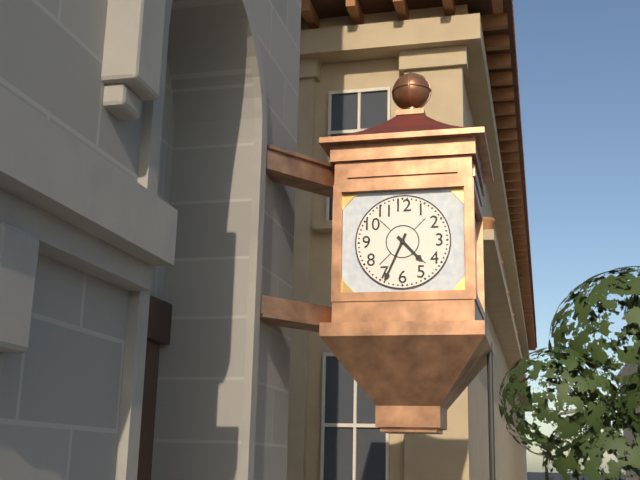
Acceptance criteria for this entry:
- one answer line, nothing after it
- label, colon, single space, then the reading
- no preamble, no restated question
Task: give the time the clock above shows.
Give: 4:34
